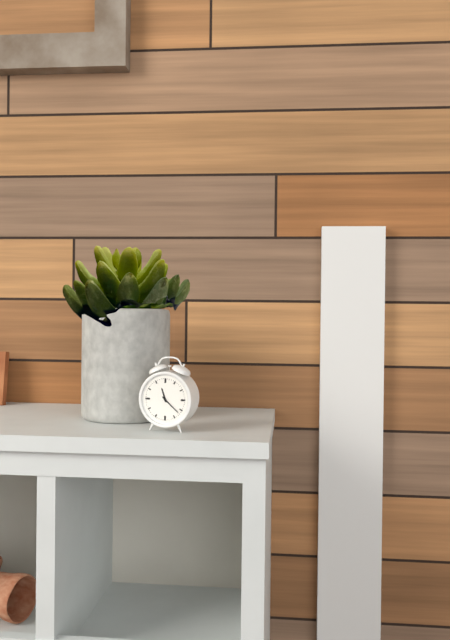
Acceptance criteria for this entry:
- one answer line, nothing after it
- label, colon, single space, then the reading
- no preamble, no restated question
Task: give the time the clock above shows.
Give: 11:22
